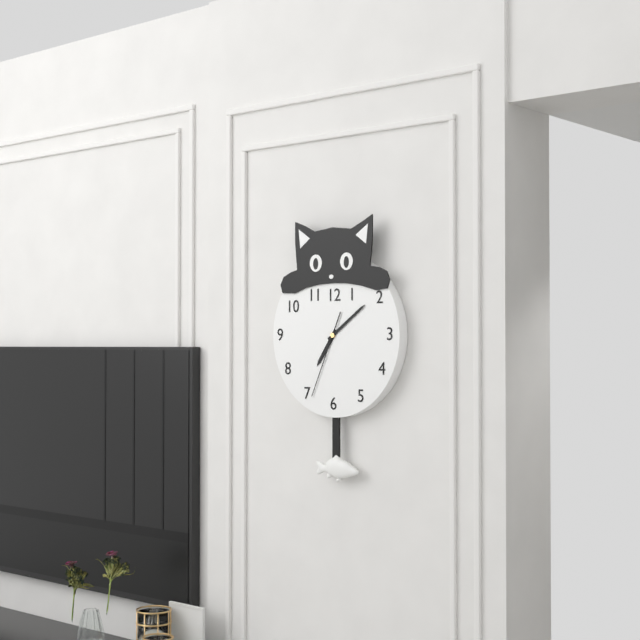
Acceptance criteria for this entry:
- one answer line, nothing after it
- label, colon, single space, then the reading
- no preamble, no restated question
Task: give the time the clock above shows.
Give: 7:09:34
